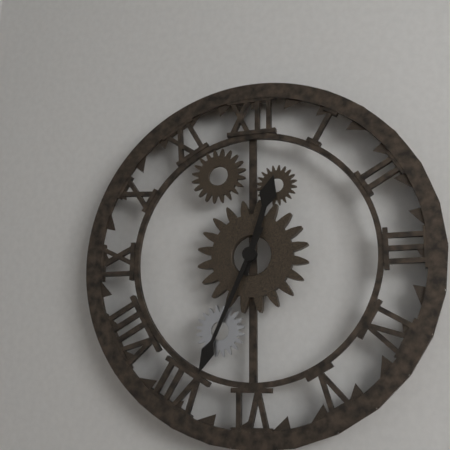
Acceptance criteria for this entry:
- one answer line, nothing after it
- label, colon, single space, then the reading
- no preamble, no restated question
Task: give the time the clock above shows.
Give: 12:34
